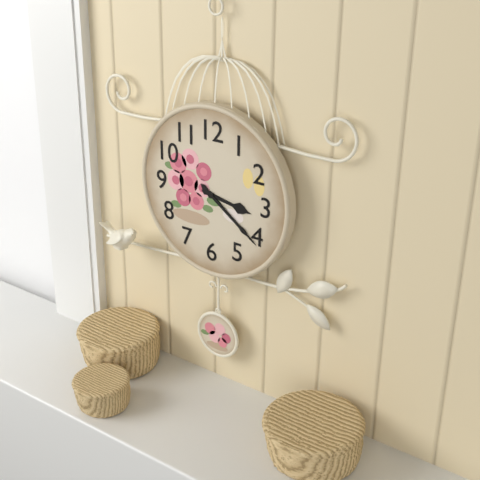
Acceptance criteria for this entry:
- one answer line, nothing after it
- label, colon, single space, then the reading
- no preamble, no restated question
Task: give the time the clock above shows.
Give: 3:21
